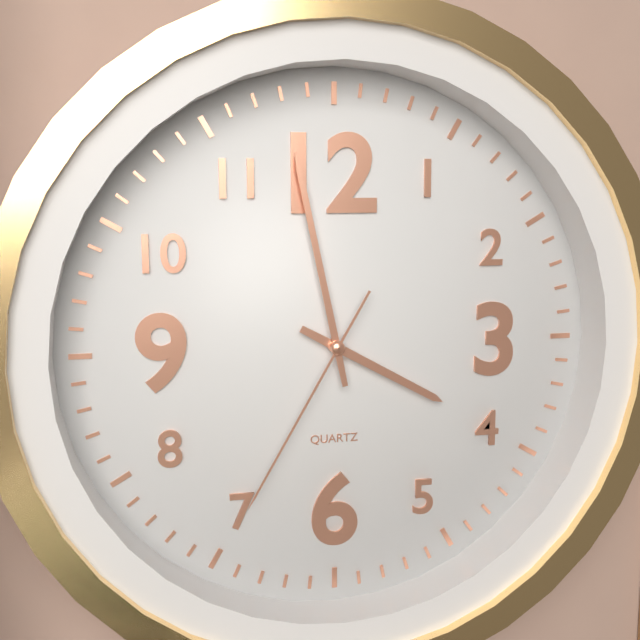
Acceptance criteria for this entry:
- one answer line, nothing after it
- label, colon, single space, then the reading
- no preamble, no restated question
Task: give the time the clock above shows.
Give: 3:58:35
